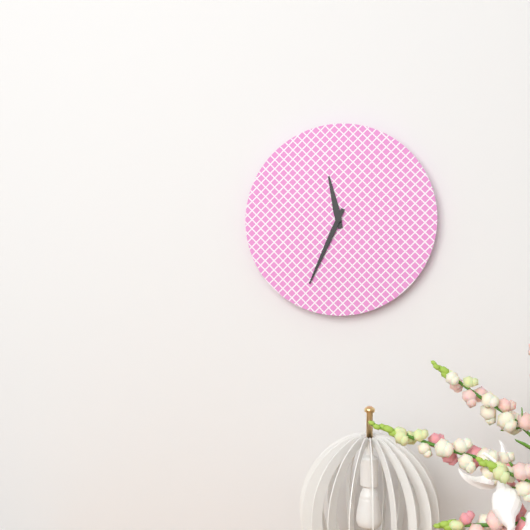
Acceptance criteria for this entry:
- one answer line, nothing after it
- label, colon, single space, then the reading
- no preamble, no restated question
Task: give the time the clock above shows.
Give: 11:34
